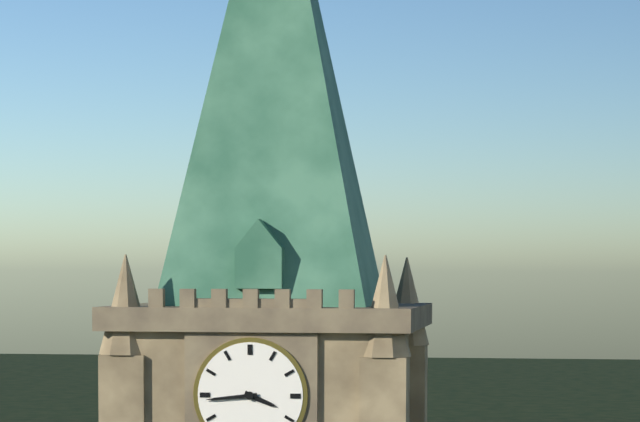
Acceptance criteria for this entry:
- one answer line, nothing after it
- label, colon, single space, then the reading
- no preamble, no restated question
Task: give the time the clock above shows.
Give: 3:44
